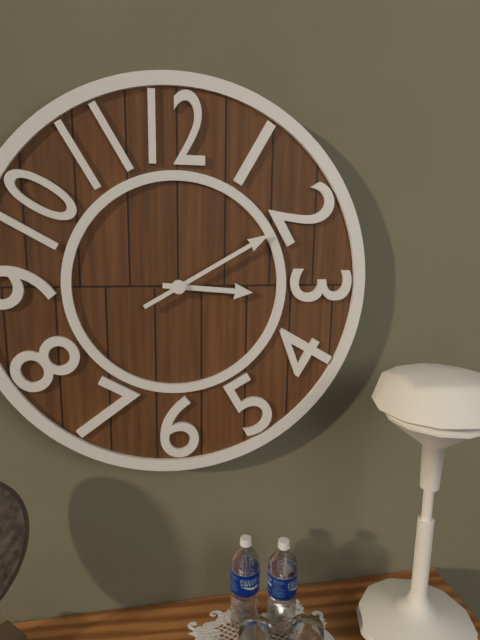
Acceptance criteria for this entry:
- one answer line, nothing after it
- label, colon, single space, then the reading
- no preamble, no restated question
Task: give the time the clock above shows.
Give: 3:10
